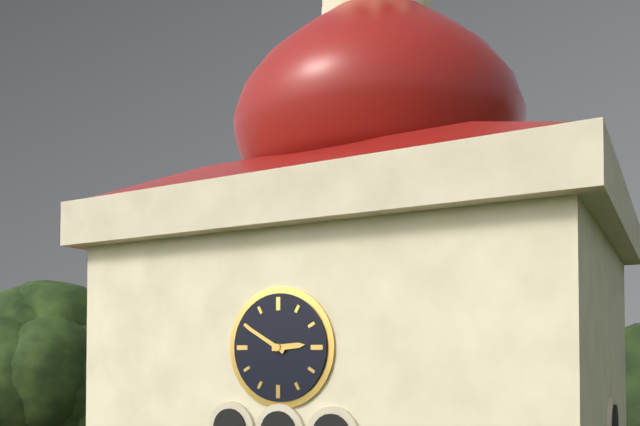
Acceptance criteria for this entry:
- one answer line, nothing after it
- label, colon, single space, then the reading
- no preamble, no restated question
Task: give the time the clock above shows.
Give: 2:50
